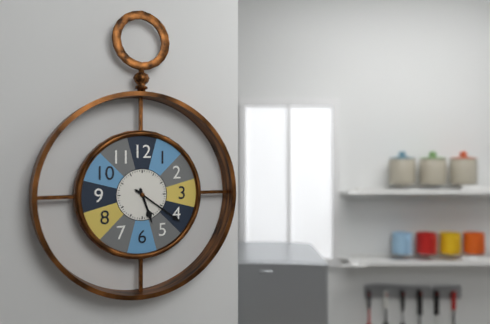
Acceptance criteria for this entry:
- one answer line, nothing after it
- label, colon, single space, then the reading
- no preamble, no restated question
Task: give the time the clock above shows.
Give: 5:21
